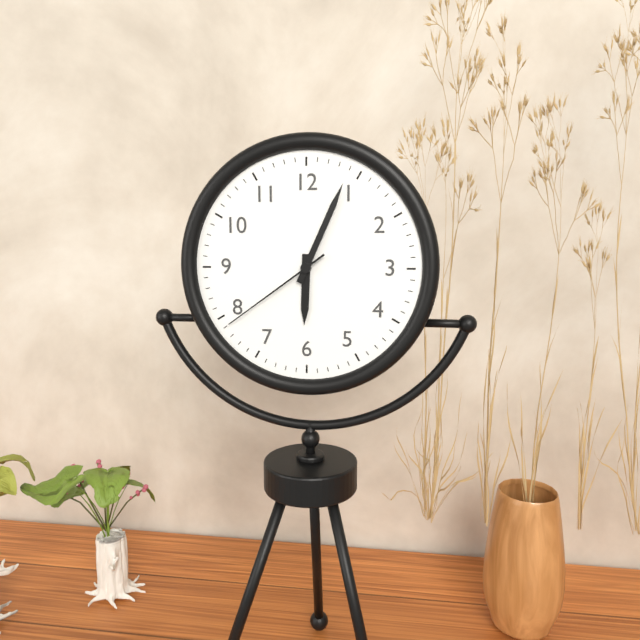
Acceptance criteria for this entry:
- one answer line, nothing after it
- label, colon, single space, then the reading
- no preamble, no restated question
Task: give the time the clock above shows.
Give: 6:04:39
